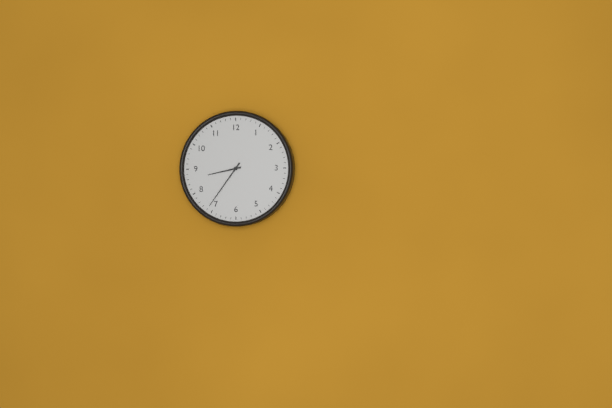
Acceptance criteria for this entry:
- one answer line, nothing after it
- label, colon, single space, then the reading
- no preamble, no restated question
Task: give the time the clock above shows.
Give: 8:36
